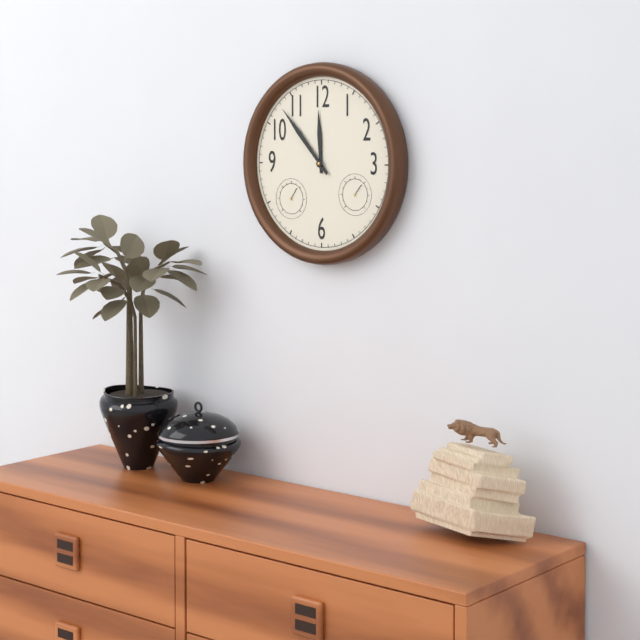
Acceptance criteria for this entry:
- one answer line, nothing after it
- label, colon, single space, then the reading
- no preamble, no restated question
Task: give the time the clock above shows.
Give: 11:53
